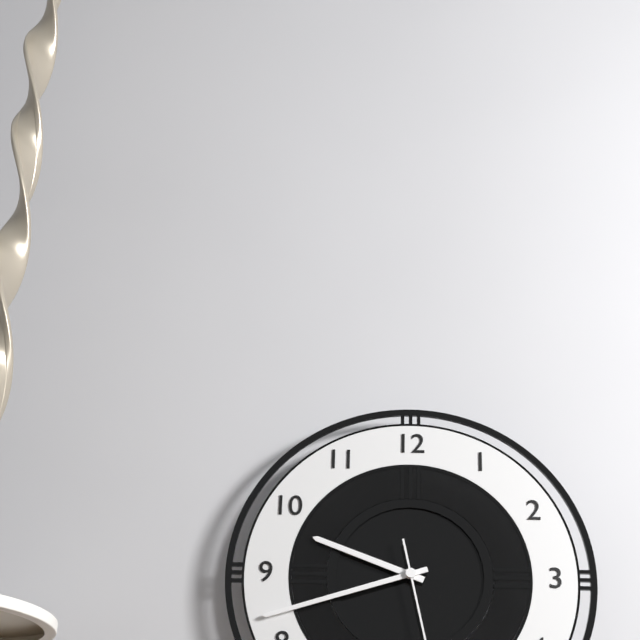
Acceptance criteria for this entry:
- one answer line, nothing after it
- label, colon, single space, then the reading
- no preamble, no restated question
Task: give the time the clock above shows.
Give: 9:42
